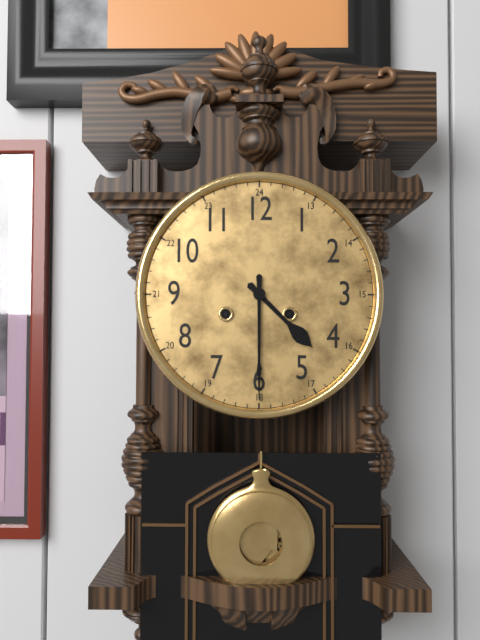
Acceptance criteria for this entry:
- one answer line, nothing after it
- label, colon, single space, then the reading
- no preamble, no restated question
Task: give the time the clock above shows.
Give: 4:30
